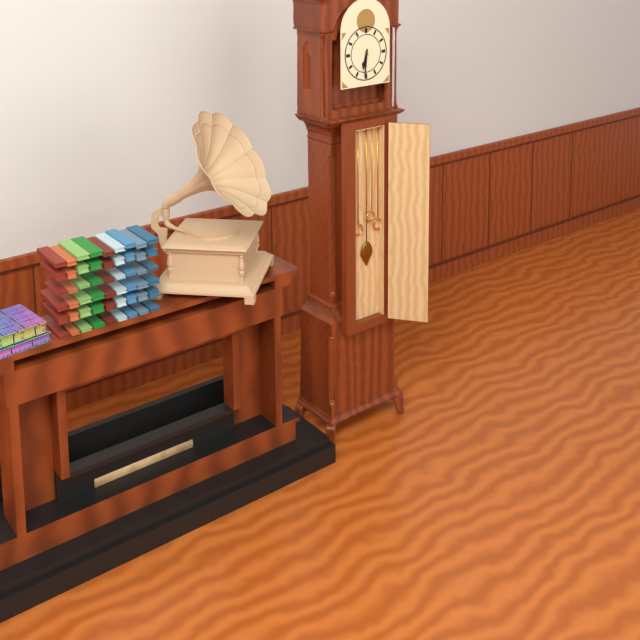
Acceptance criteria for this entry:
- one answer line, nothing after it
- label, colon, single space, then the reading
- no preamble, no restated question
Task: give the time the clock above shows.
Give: 6:31
